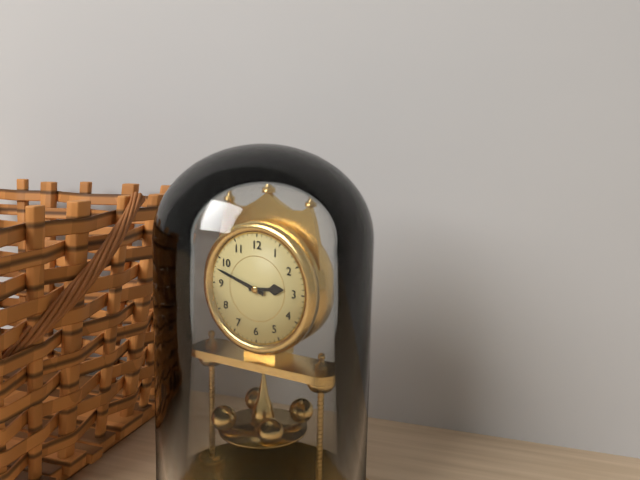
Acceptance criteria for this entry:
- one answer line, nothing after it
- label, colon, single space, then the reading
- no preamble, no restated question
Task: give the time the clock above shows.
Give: 2:48
